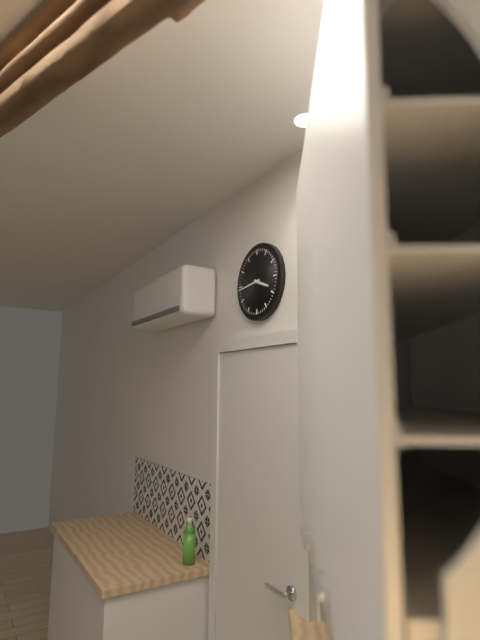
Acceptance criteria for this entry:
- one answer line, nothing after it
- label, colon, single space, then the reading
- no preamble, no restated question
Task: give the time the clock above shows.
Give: 3:44
